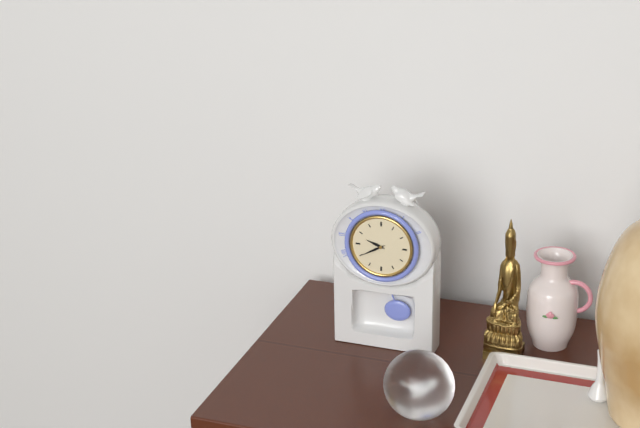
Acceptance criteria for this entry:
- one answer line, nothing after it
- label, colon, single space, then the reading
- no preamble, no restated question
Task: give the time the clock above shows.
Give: 9:40
